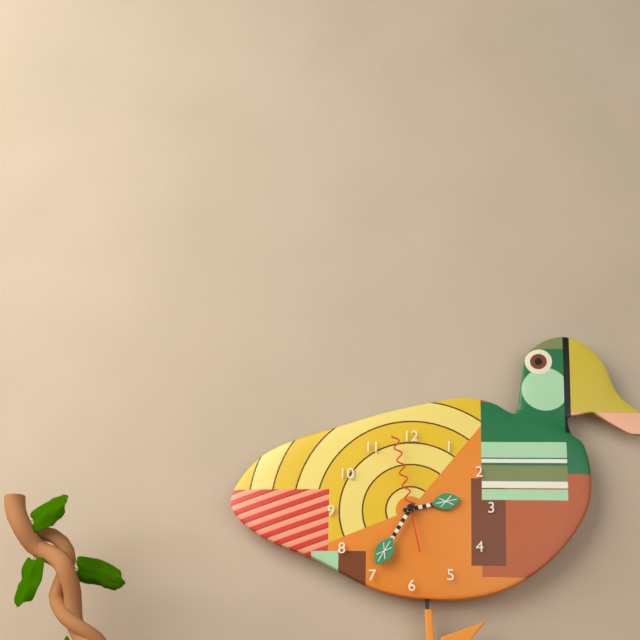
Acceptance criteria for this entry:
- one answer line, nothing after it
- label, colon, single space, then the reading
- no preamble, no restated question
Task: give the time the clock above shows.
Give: 2:35:58
